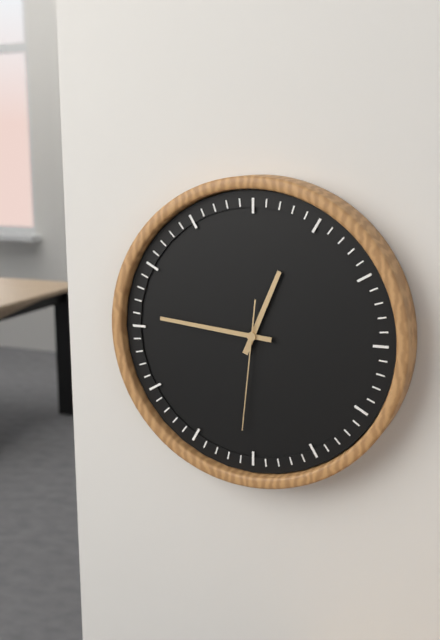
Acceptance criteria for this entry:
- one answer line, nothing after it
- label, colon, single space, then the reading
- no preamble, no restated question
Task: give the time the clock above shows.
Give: 12:46:31
